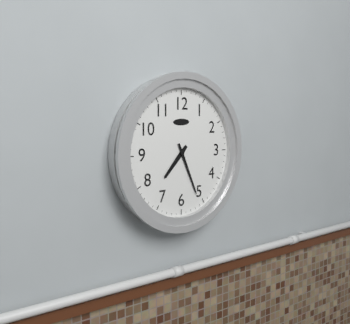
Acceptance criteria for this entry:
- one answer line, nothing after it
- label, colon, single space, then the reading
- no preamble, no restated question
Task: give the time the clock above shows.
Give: 7:26
